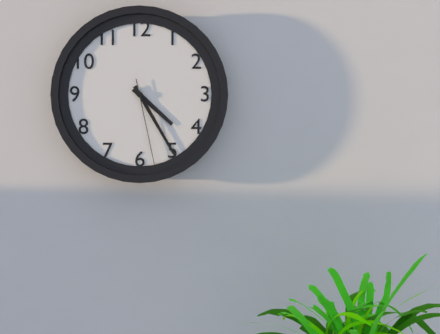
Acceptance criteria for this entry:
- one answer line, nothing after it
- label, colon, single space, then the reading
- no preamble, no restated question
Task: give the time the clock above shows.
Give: 4:25:28
